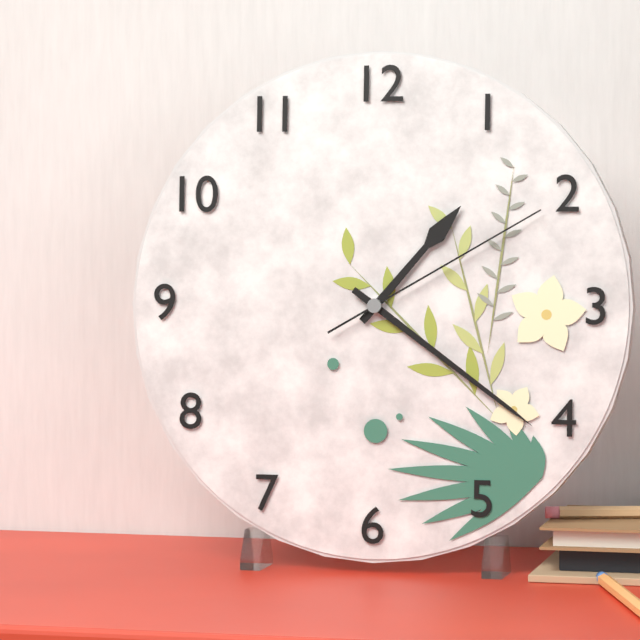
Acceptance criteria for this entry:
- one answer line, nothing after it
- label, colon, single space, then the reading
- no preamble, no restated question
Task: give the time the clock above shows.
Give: 1:21:10
